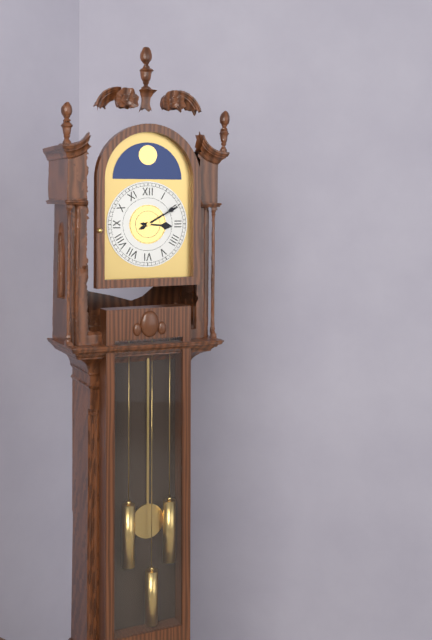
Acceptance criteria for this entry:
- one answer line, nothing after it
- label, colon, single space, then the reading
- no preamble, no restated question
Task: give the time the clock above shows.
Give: 3:10
